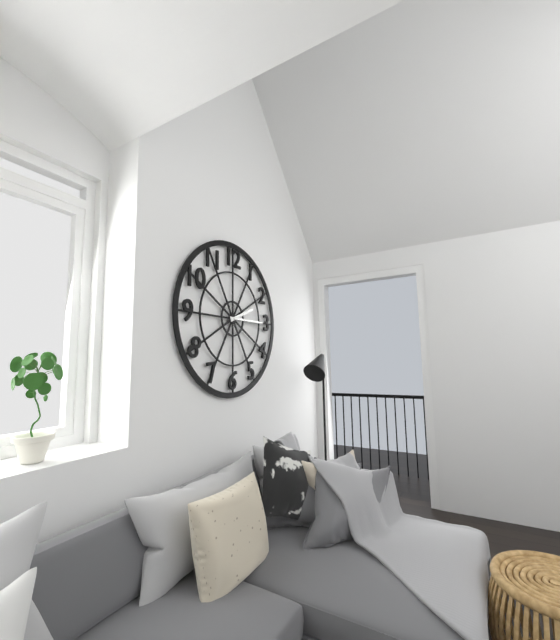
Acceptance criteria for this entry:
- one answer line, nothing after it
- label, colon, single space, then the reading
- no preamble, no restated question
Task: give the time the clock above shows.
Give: 2:15
